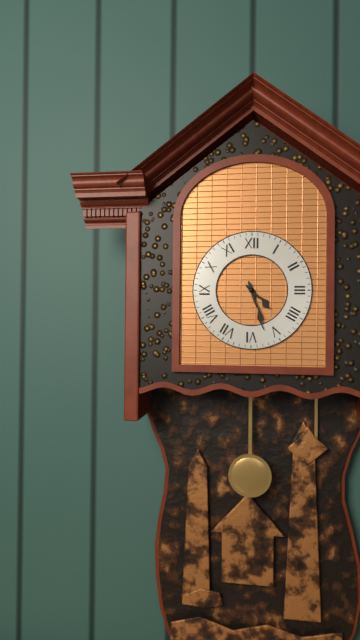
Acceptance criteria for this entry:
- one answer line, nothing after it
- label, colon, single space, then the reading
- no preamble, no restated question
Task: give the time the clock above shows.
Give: 4:27
